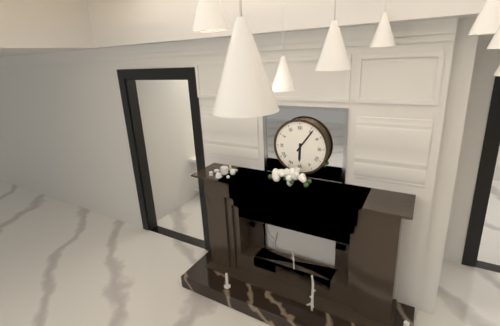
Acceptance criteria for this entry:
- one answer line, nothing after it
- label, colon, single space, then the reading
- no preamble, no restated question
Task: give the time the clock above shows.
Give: 6:06
